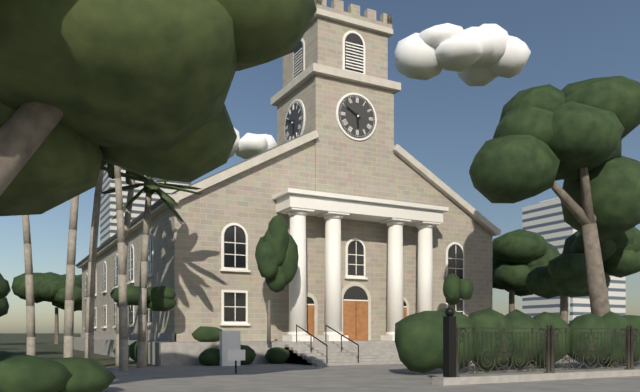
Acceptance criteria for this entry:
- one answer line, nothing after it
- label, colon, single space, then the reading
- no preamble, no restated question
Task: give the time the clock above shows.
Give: 5:50
